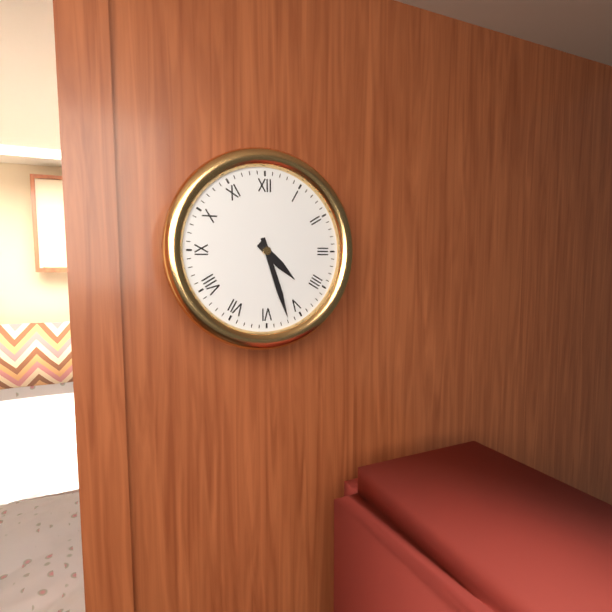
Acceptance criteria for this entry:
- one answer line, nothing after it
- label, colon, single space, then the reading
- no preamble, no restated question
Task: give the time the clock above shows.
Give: 4:27
